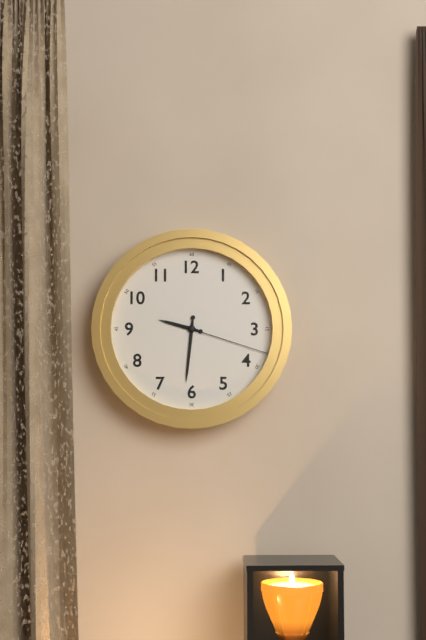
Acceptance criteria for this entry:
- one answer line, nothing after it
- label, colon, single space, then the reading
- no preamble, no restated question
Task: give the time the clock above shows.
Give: 9:31:18
